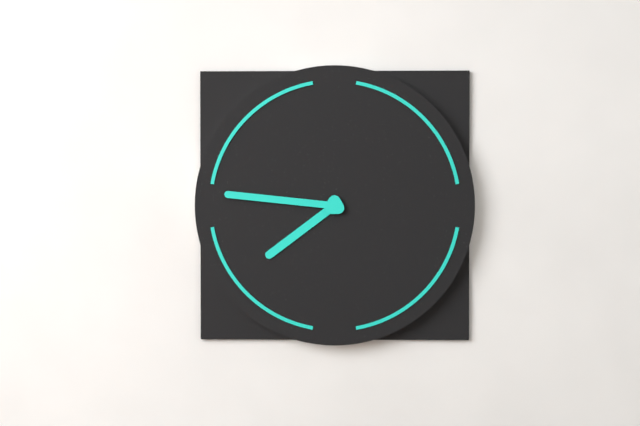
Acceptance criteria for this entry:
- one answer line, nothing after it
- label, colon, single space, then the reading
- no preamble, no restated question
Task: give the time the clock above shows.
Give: 7:46
